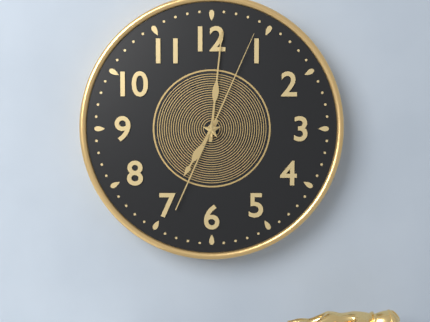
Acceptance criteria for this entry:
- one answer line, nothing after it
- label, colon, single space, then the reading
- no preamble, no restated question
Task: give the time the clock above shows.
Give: 7:01:04
